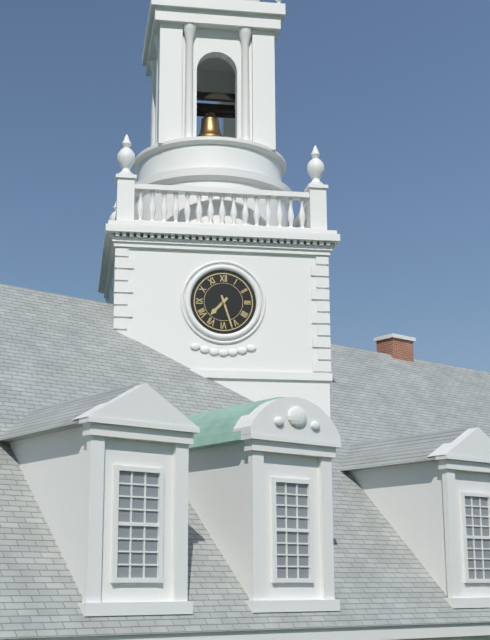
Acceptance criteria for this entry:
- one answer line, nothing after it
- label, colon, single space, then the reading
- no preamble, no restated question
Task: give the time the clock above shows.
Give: 7:27
